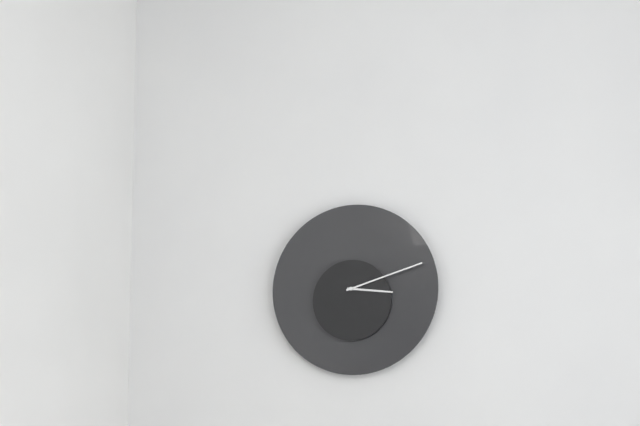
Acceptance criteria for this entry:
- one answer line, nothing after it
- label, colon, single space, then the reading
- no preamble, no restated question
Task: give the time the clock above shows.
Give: 3:12
